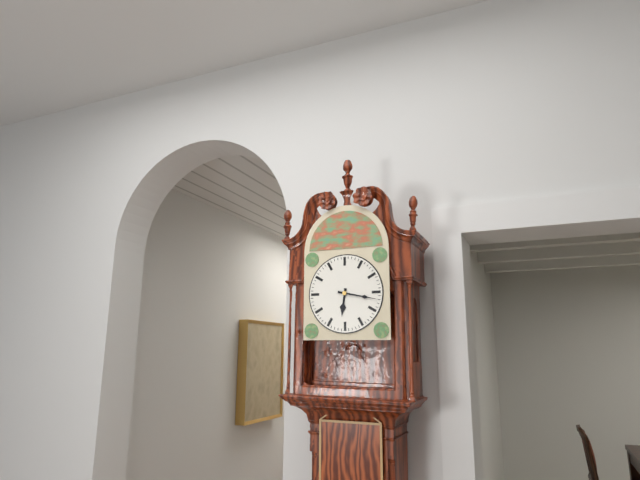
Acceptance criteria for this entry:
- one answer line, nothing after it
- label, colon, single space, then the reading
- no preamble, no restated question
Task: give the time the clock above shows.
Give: 6:17
